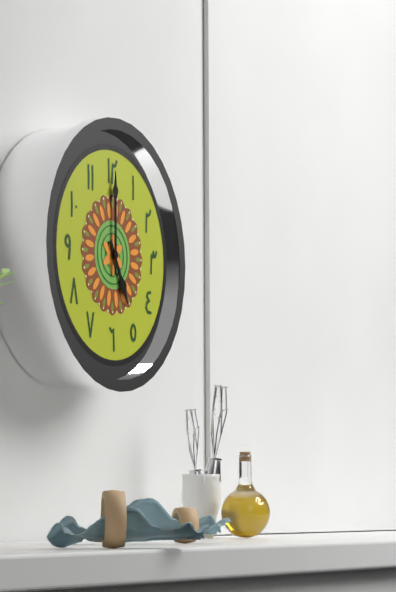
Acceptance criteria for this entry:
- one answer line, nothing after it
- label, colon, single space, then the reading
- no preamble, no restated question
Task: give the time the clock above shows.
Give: 5:00
